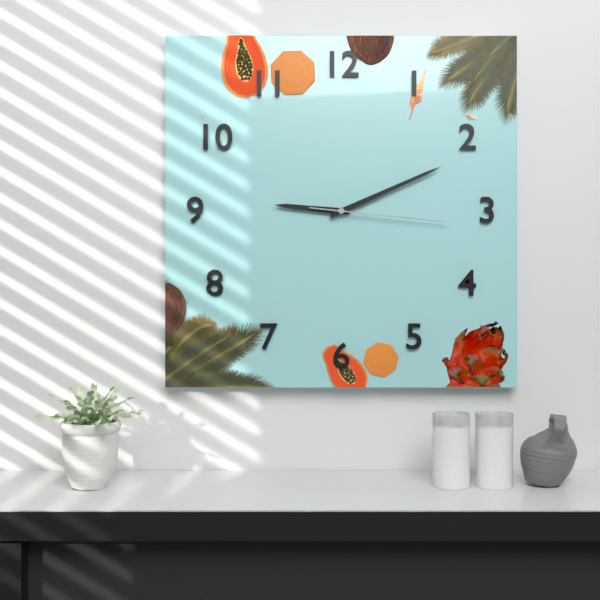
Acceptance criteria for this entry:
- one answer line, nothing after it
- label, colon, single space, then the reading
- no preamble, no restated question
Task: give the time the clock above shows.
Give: 9:11:16
